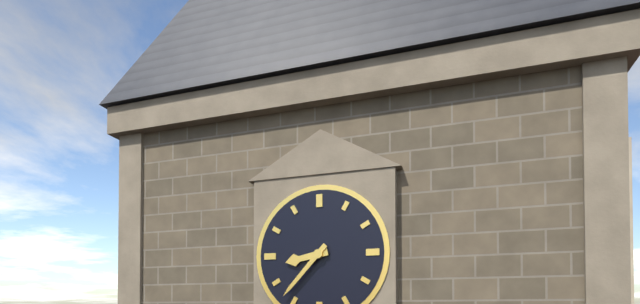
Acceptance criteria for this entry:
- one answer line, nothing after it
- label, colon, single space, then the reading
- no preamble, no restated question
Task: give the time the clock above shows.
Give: 8:37
